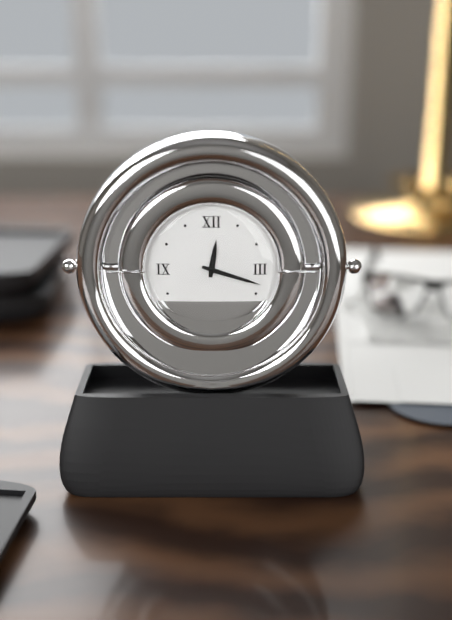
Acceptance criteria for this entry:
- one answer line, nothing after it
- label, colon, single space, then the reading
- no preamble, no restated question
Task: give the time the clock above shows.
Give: 12:18
